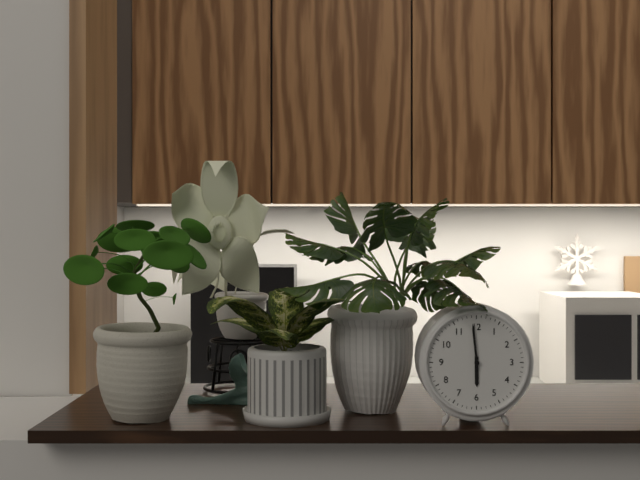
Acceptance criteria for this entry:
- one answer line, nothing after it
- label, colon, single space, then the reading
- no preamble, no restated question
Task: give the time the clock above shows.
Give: 5:59
